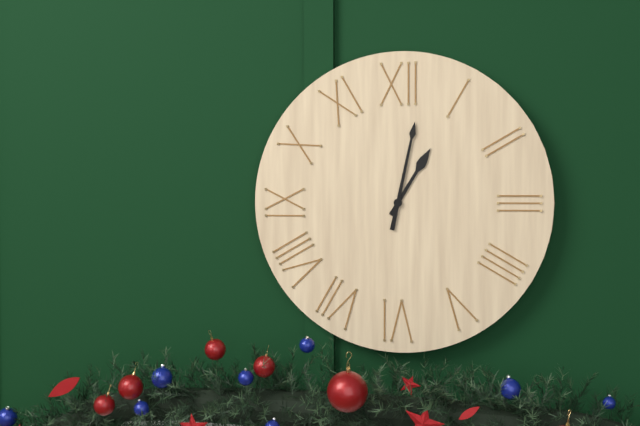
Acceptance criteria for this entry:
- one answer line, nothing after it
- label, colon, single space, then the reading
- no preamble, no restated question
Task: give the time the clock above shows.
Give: 1:02
